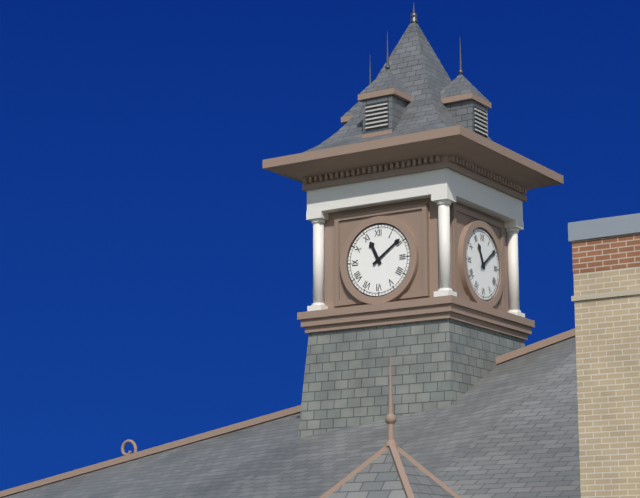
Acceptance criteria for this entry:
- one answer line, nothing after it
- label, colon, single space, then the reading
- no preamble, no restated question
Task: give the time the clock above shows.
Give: 11:09
